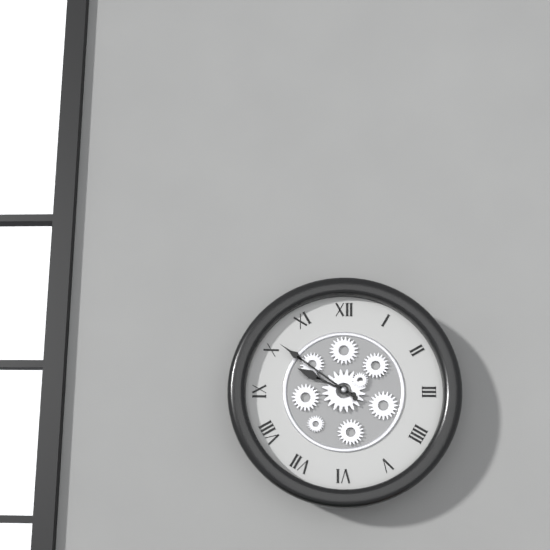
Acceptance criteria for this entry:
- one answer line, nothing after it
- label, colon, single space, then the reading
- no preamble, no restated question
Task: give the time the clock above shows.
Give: 9:51
